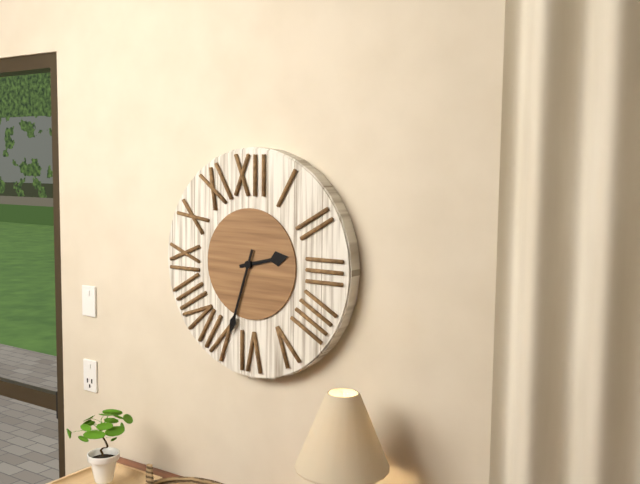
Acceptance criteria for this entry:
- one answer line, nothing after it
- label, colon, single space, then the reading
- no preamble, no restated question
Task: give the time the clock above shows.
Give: 2:33
